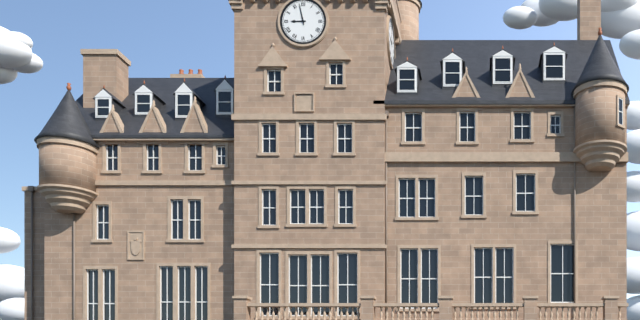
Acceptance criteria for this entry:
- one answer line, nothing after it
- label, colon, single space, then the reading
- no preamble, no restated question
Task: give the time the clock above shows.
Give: 8:58
